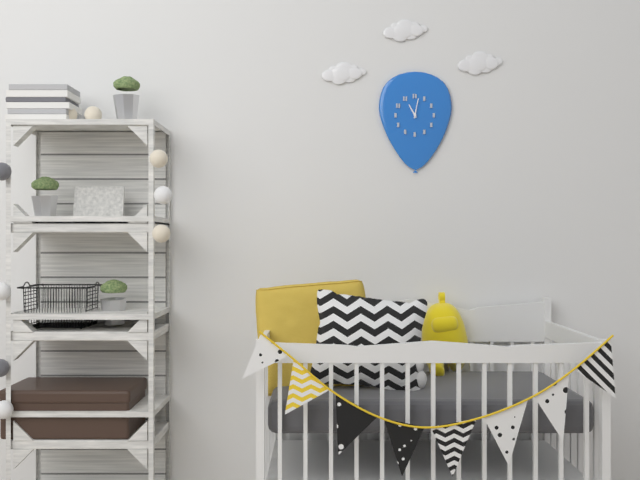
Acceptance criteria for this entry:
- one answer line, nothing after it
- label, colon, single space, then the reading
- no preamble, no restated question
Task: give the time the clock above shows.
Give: 11:02
